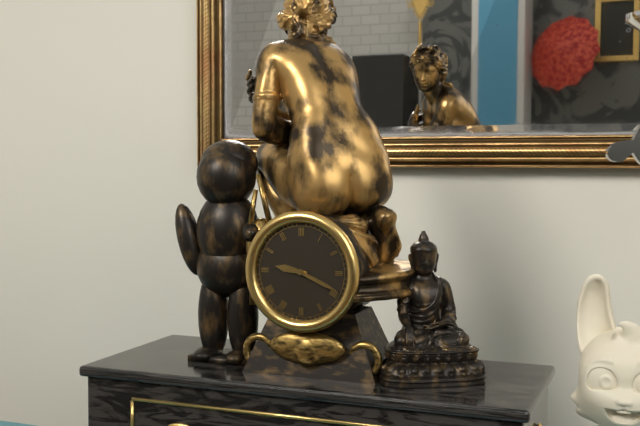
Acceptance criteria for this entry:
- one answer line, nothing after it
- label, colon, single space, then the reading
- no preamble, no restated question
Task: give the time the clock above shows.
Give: 9:19
